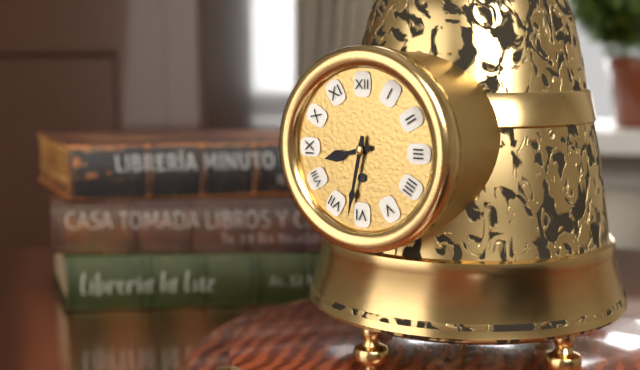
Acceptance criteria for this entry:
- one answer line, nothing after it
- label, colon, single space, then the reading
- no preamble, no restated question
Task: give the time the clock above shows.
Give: 8:32
